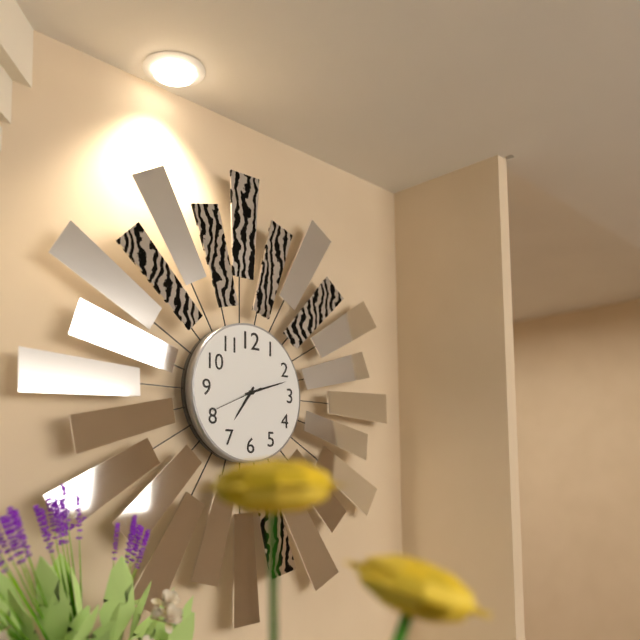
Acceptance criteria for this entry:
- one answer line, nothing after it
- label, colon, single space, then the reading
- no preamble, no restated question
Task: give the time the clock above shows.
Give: 7:12:41
